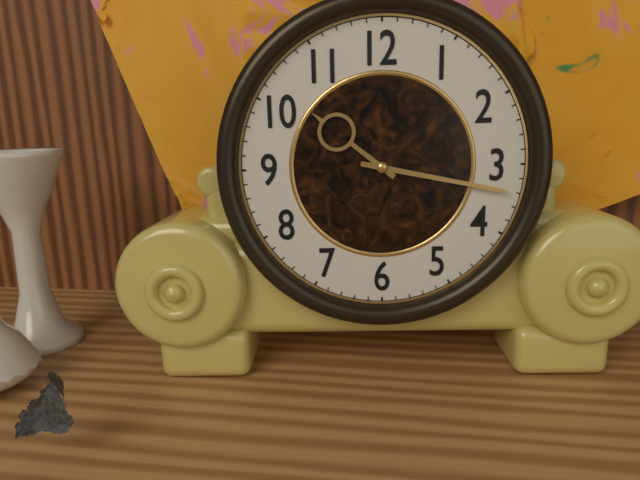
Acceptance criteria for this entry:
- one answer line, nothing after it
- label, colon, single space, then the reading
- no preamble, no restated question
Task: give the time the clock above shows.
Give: 10:17
